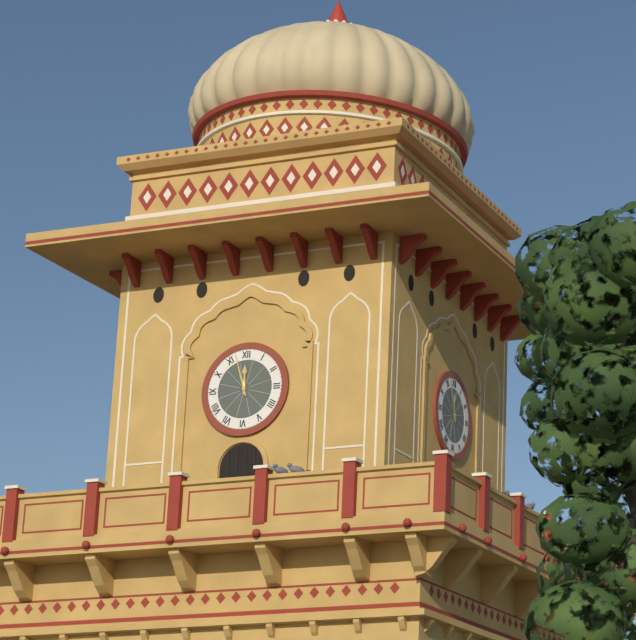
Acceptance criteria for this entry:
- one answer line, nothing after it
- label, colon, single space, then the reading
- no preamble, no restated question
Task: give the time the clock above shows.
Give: 11:57
